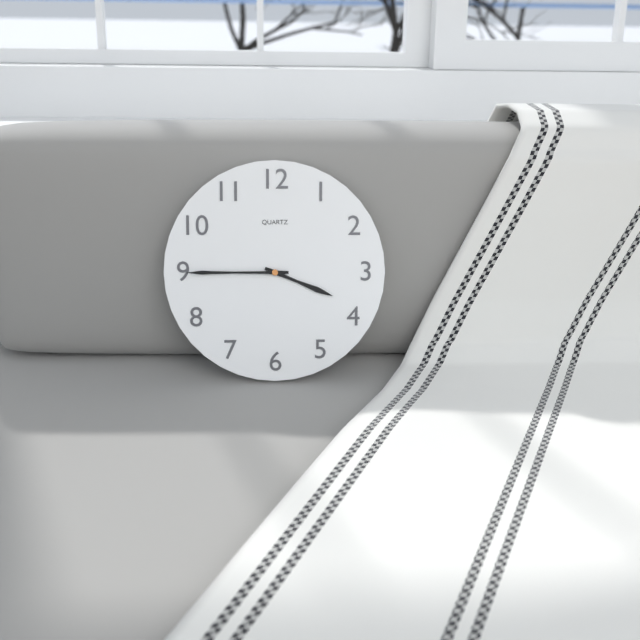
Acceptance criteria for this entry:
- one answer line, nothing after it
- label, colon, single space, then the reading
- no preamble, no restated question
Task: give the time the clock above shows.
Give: 3:45
